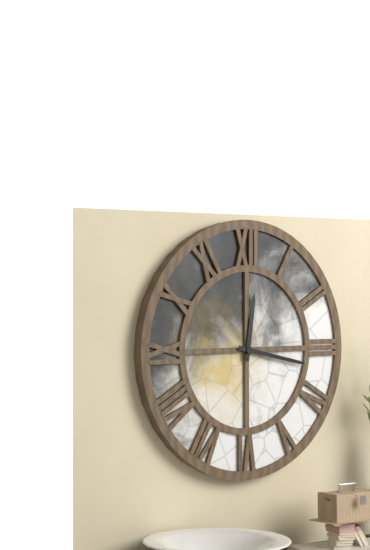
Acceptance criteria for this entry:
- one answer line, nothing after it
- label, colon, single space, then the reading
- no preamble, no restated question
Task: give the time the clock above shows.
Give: 12:17
